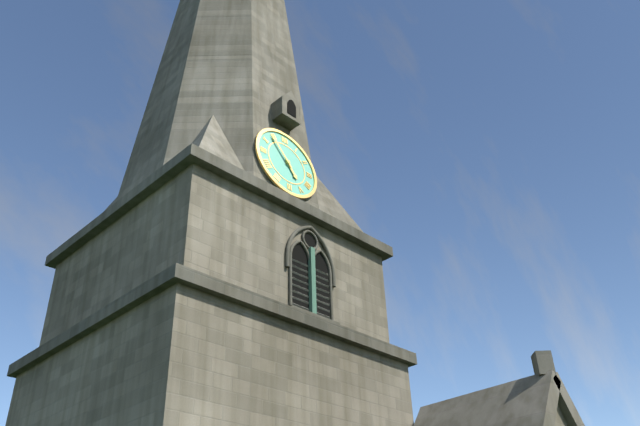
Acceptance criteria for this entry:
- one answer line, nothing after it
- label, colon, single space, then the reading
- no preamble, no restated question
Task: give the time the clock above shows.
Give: 4:54
